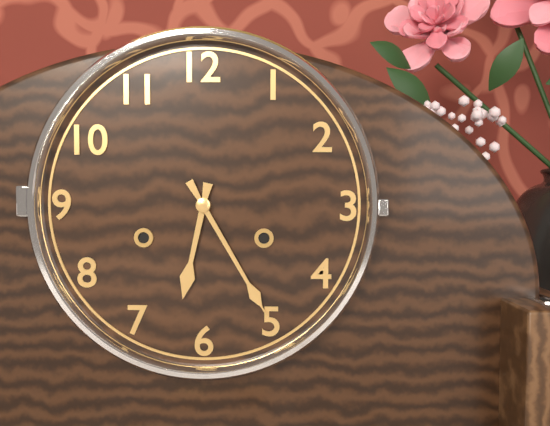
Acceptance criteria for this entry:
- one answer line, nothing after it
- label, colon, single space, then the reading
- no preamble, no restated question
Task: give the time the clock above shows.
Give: 6:25
